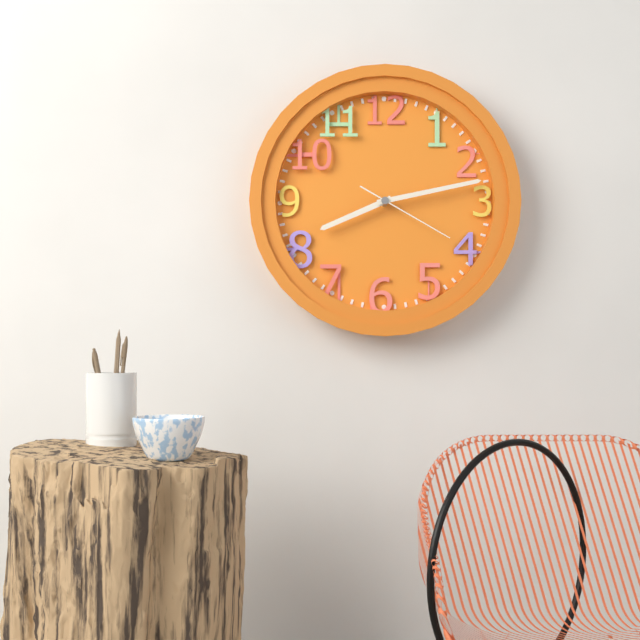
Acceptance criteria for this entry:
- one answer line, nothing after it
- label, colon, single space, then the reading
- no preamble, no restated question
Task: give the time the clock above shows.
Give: 8:13:20
